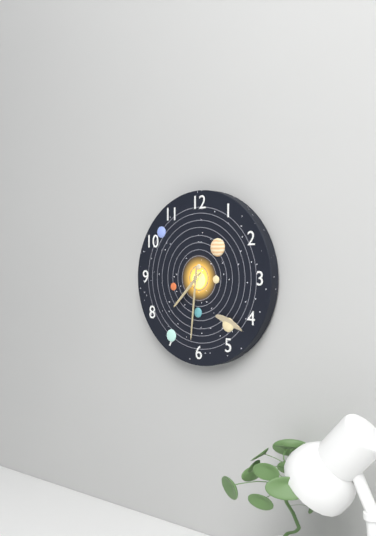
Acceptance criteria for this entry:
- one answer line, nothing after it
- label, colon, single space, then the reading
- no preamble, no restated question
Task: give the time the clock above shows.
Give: 7:31
